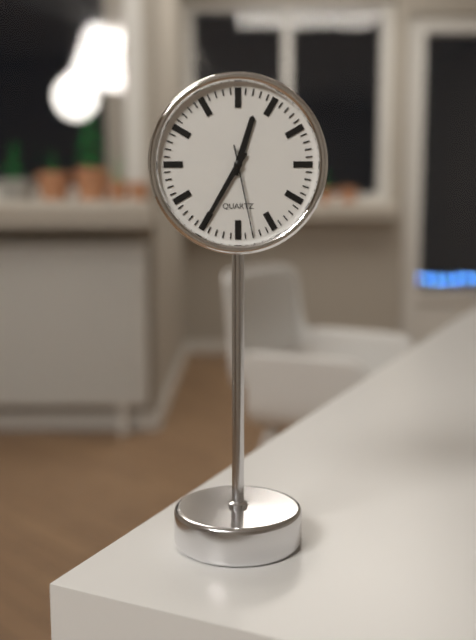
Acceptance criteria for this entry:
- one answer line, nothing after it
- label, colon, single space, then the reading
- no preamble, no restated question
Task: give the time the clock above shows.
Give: 12:35:28
